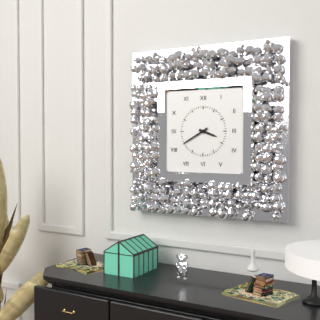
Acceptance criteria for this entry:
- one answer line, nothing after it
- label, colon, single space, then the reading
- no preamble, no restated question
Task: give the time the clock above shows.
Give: 3:40
